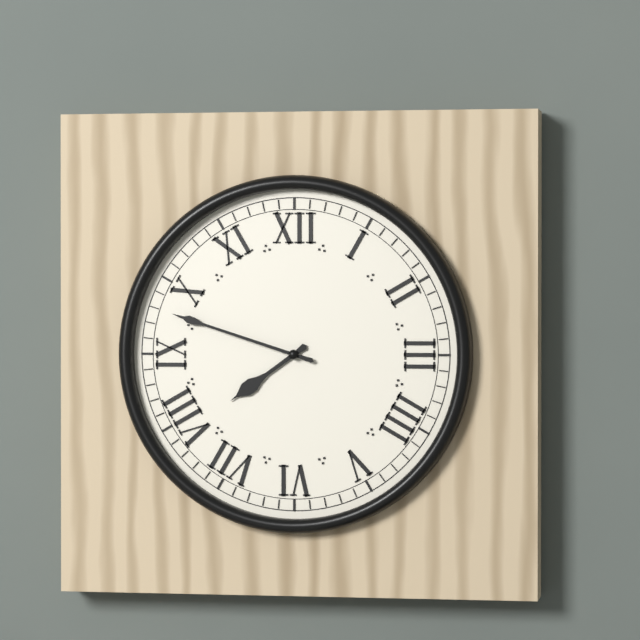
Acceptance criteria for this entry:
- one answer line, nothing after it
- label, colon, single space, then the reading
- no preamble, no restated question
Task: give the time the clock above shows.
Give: 7:48
